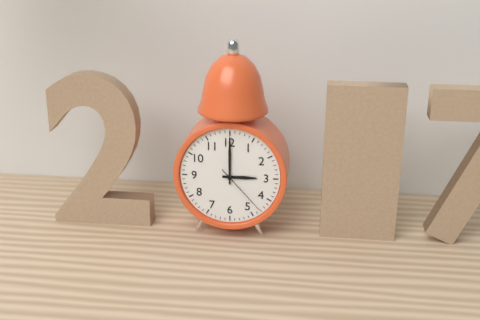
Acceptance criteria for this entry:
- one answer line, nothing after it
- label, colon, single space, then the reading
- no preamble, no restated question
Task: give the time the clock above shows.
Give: 3:00:23
